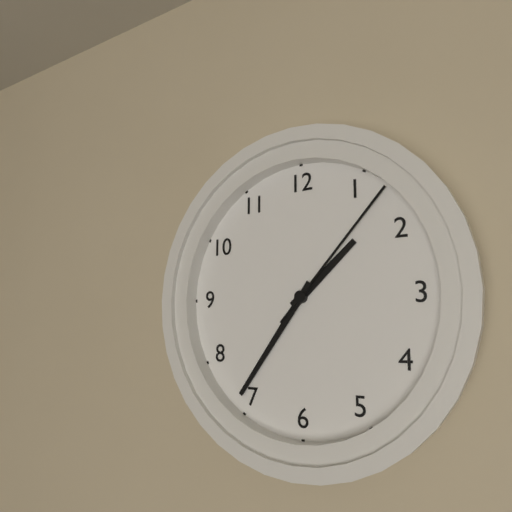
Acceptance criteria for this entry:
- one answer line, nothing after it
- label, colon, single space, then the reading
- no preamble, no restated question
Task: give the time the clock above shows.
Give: 1:36:07
